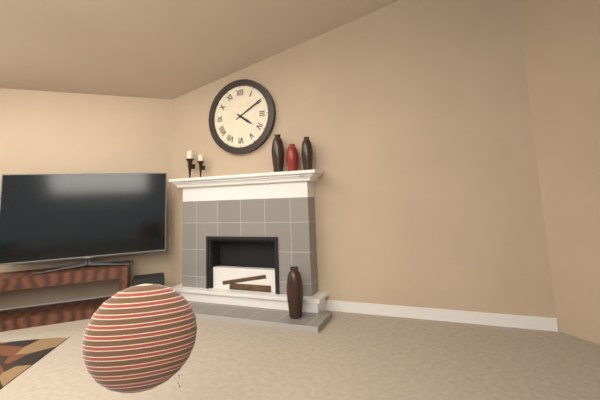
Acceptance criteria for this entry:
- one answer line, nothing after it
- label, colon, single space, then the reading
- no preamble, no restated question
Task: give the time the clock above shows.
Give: 4:10
